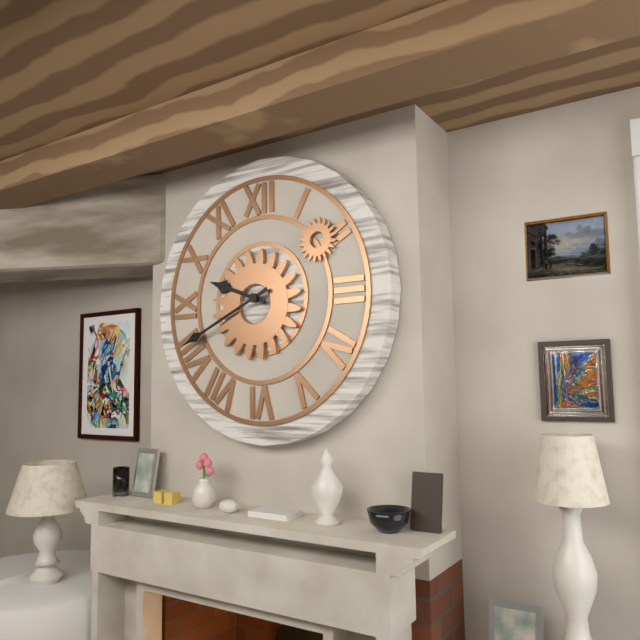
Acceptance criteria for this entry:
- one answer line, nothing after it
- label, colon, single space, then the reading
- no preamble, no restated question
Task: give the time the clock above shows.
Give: 9:41
